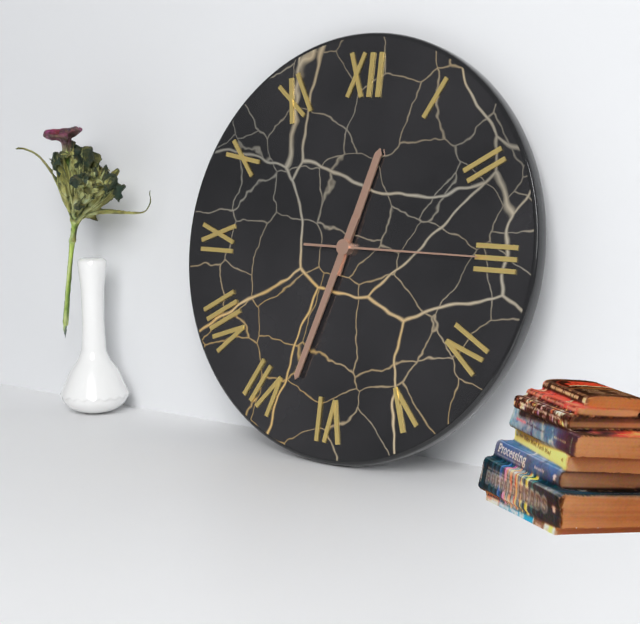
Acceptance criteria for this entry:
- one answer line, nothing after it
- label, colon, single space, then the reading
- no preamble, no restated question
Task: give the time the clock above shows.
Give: 12:33:15
